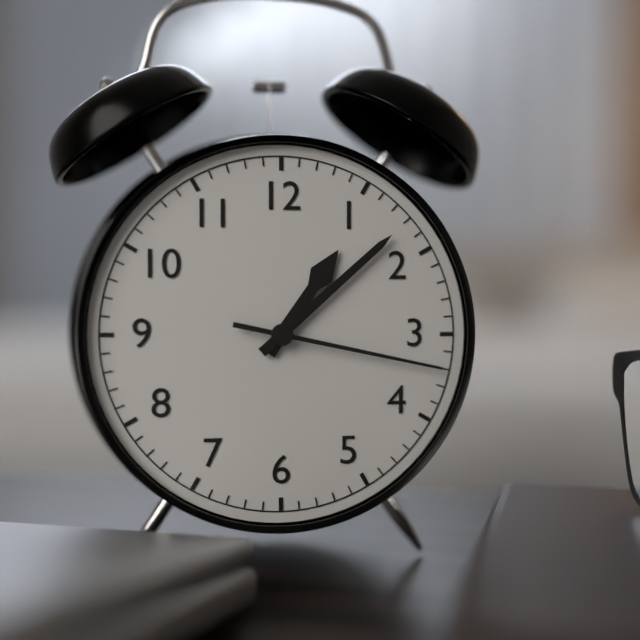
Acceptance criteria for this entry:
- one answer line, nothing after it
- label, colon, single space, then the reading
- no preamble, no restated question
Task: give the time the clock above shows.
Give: 1:08:17
